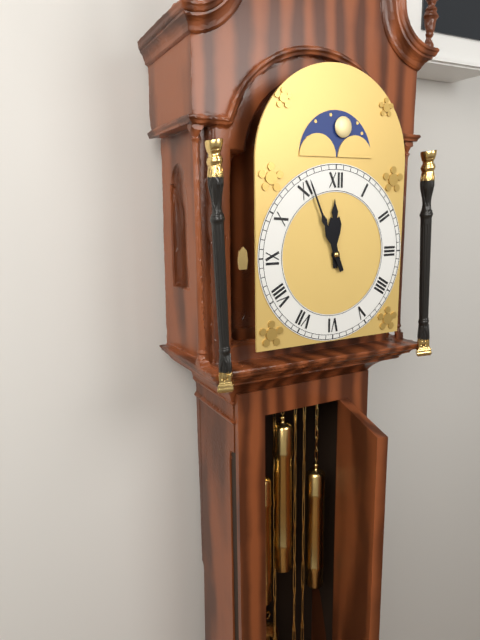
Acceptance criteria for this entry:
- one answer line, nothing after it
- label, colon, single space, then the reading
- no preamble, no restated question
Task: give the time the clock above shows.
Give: 11:56
